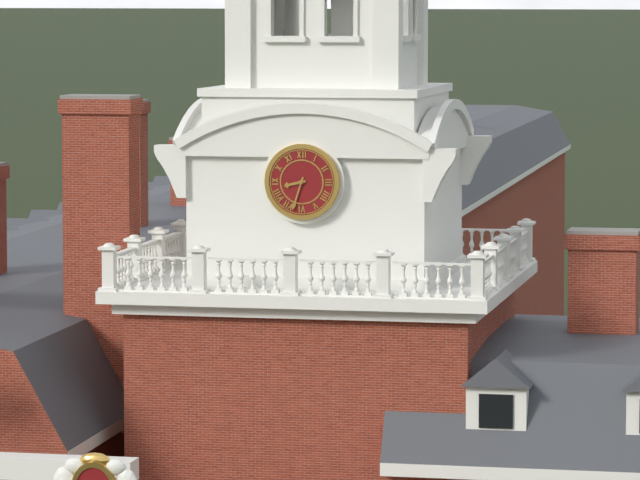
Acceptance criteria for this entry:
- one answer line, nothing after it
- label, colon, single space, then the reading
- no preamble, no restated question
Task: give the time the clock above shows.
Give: 8:33
